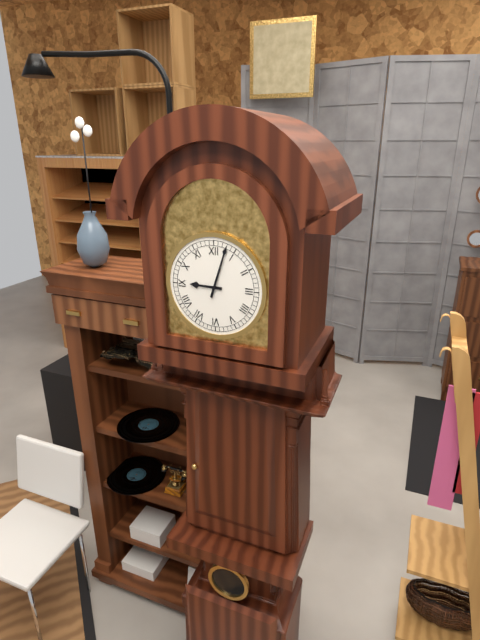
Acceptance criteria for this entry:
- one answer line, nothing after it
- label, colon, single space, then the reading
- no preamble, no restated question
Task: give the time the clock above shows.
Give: 9:03
